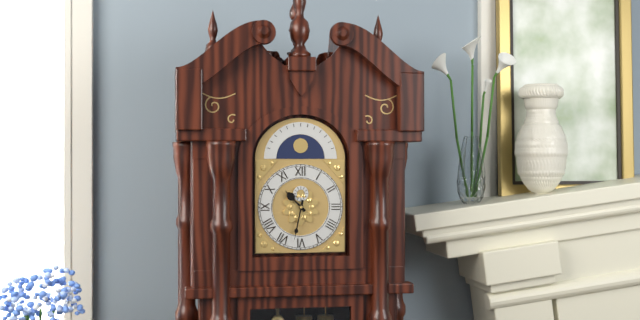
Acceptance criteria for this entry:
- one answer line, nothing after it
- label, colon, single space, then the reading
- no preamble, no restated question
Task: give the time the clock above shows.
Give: 10:32
